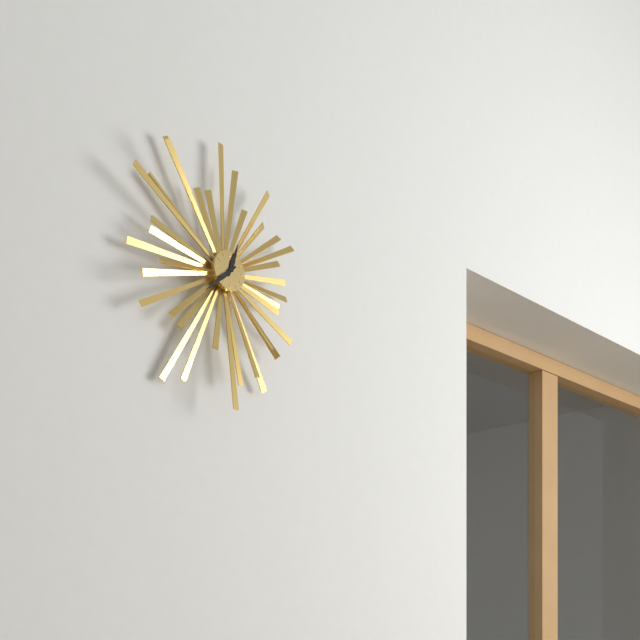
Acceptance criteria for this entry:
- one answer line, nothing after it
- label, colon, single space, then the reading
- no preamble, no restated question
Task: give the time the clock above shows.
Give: 12:38
